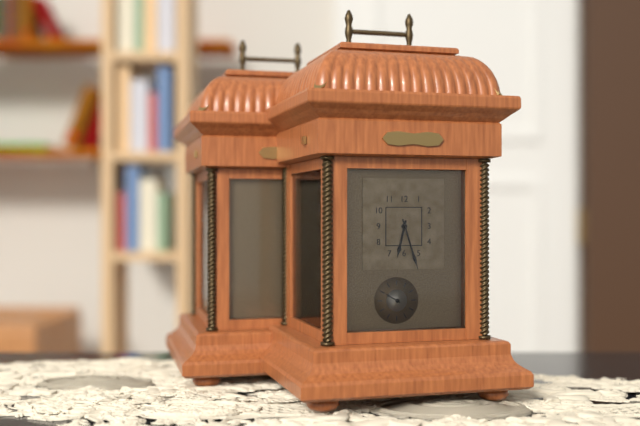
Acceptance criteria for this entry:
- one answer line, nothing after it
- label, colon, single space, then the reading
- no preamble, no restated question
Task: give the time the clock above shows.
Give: 6:27
